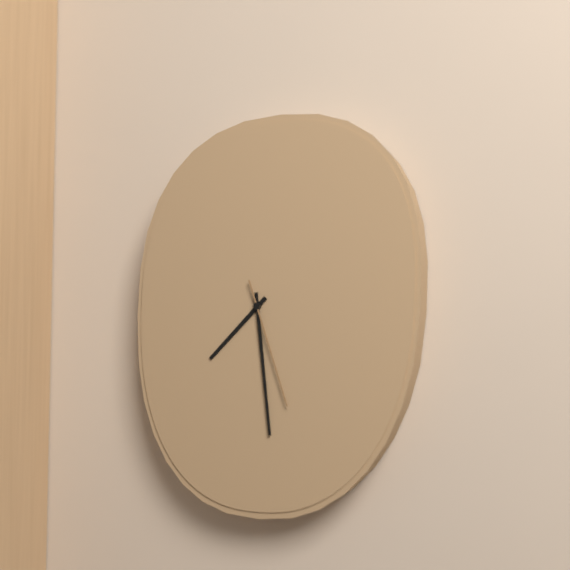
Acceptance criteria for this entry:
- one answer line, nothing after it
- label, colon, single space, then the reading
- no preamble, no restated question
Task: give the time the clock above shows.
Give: 7:29:27
